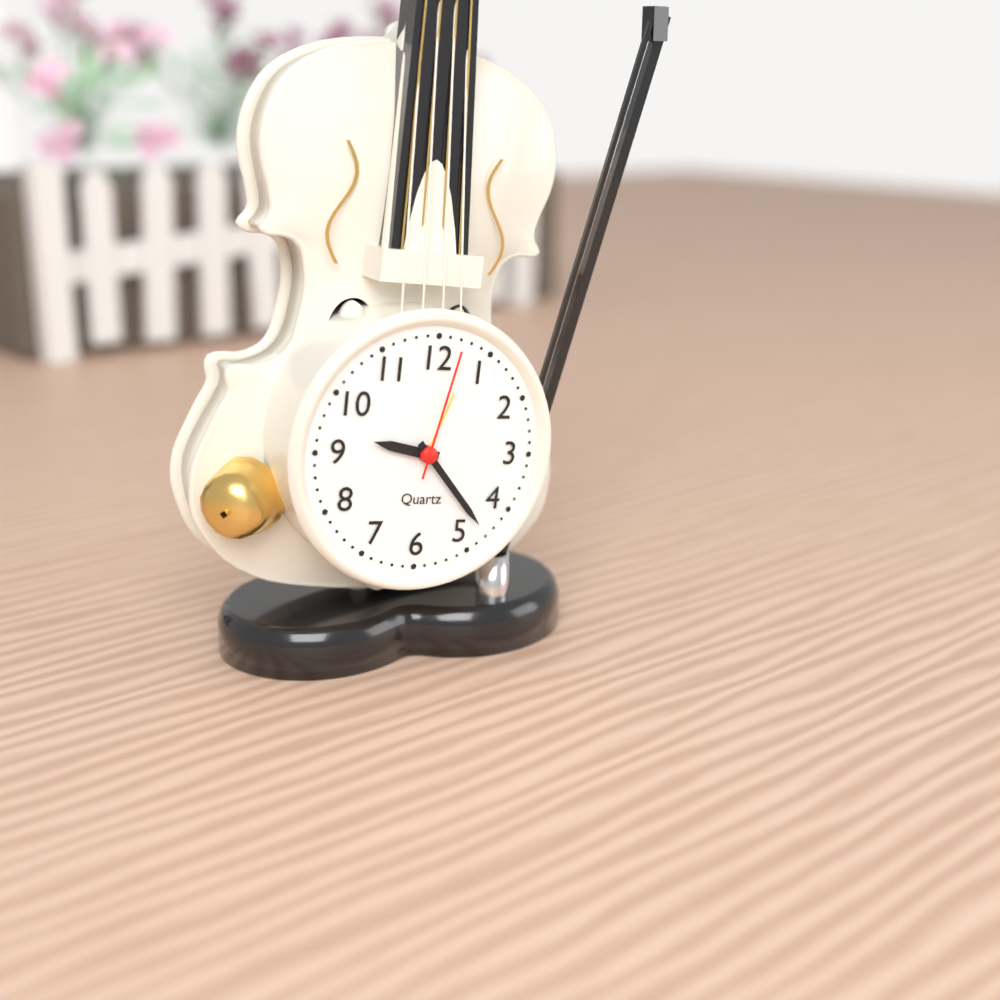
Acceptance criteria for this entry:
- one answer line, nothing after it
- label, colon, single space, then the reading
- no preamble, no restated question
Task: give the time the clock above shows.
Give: 9:23:02
